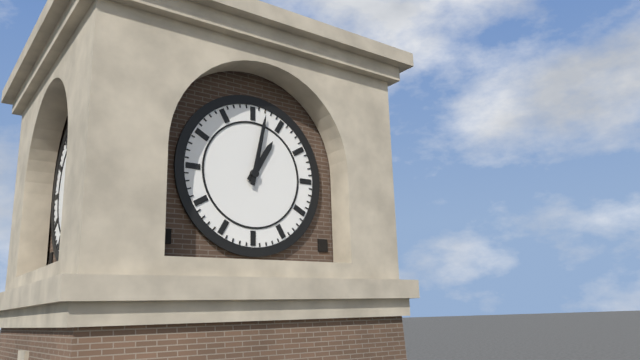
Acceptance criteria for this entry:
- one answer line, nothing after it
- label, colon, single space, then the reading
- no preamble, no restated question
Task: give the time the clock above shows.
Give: 1:02
